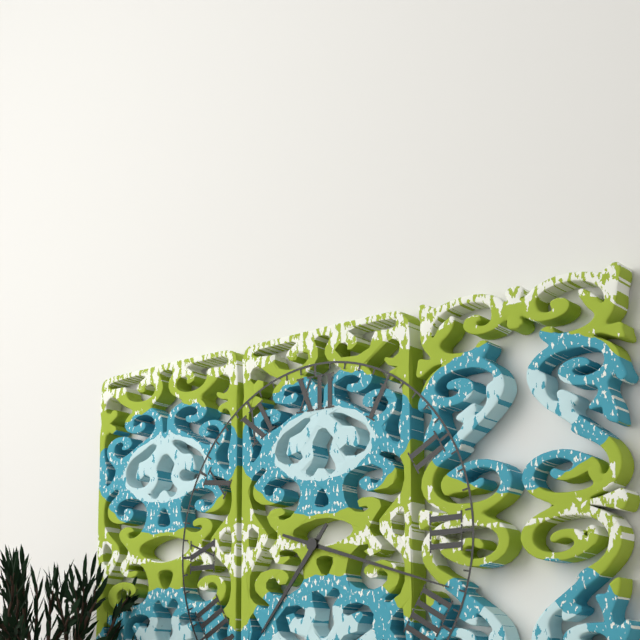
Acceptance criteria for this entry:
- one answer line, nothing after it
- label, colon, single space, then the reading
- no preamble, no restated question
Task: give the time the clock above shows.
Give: 7:18
